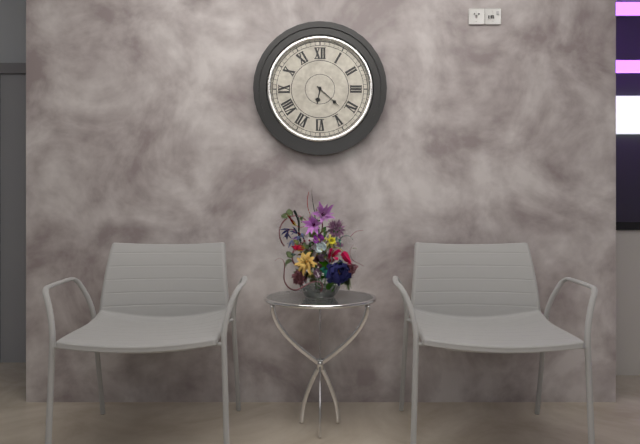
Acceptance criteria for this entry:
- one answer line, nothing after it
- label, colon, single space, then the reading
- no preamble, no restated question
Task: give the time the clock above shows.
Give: 6:22
